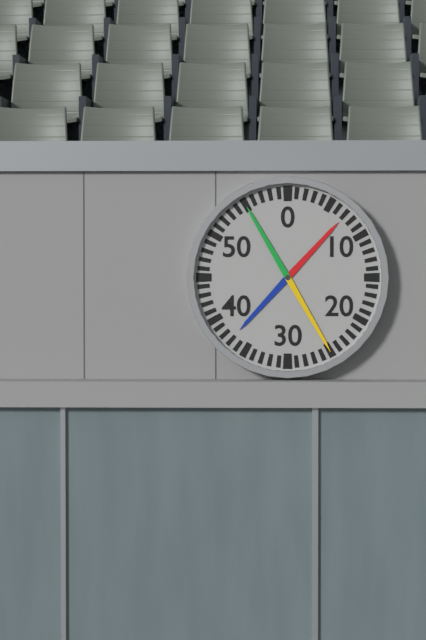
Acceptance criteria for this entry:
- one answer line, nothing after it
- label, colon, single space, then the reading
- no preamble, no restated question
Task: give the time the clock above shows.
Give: 1:25
